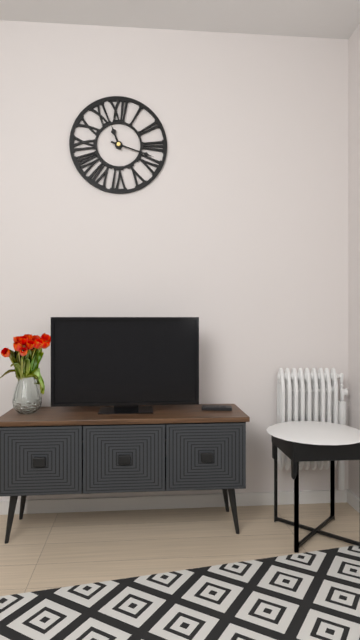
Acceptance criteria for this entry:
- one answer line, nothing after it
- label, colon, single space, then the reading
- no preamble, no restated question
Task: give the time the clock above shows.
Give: 11:18
